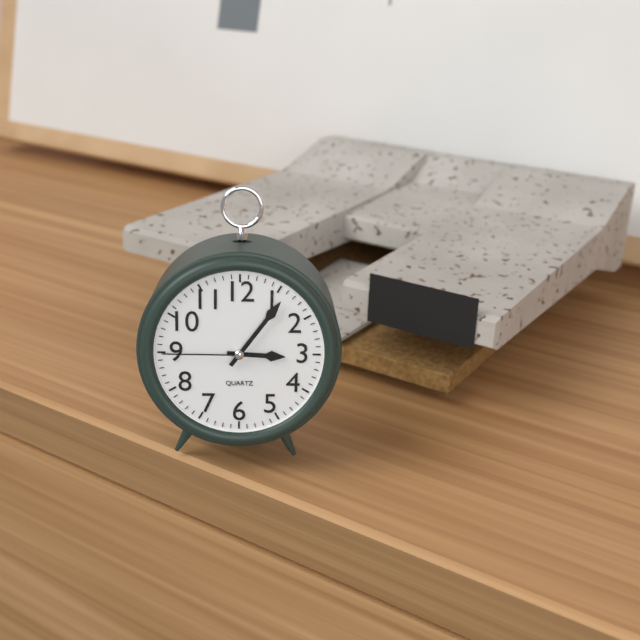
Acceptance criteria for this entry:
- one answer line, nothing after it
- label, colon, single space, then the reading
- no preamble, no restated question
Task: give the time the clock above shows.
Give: 3:06:45
